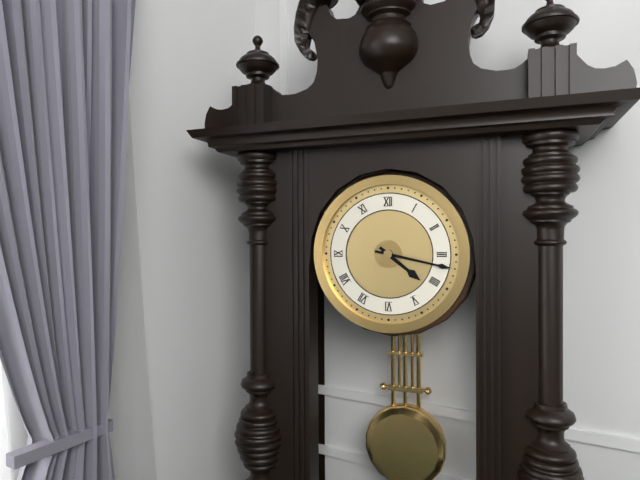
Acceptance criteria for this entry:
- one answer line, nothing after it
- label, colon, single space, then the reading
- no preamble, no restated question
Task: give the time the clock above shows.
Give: 4:17
